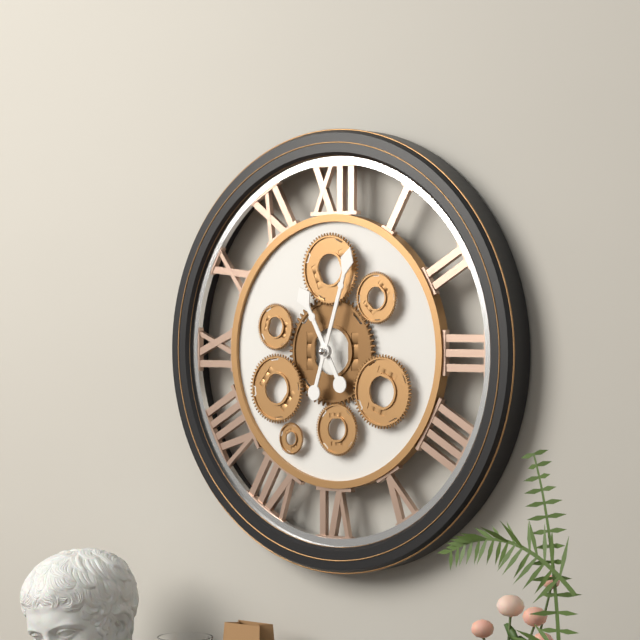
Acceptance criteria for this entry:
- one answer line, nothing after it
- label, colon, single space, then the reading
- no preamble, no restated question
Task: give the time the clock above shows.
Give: 11:03
